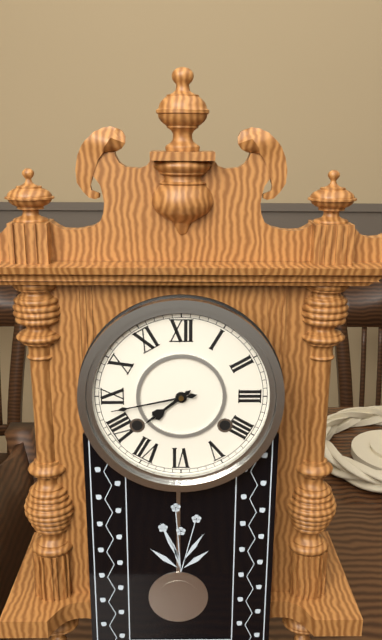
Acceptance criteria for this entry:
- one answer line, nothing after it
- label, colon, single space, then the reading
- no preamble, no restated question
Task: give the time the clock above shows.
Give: 7:43
